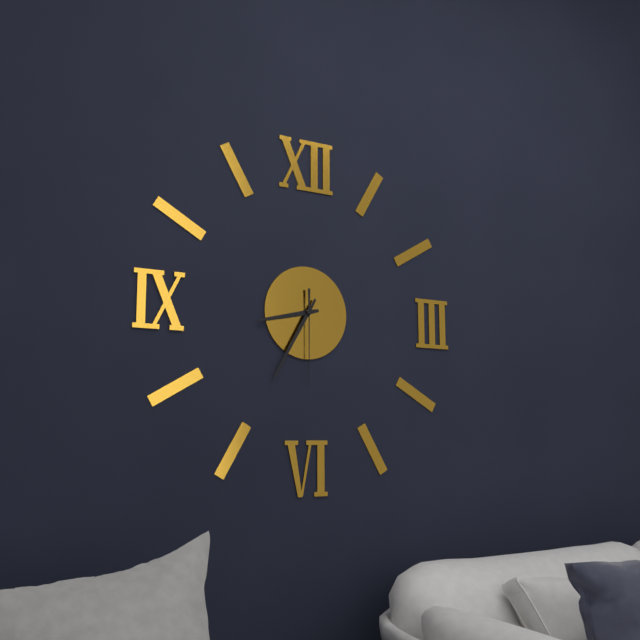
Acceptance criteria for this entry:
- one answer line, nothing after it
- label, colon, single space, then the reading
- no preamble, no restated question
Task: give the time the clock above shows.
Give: 8:35:30
